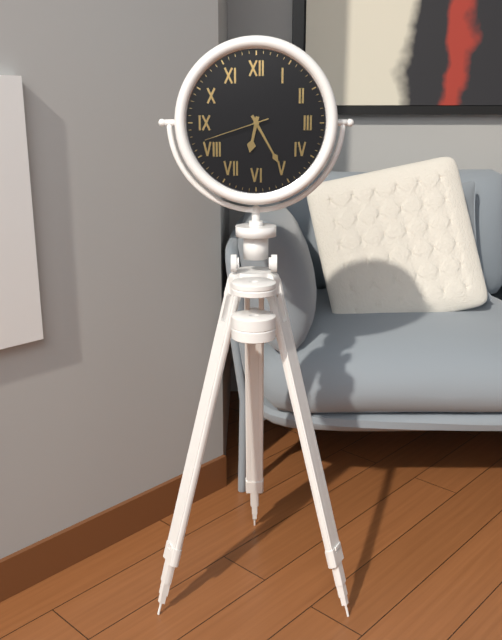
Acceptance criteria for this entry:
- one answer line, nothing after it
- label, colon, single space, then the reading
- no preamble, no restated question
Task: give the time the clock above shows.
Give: 6:25:42
